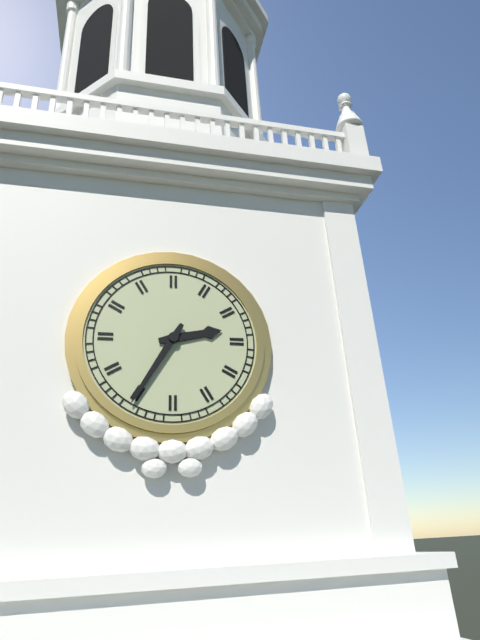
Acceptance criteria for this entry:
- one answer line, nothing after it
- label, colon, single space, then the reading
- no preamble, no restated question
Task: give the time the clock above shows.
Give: 2:35
